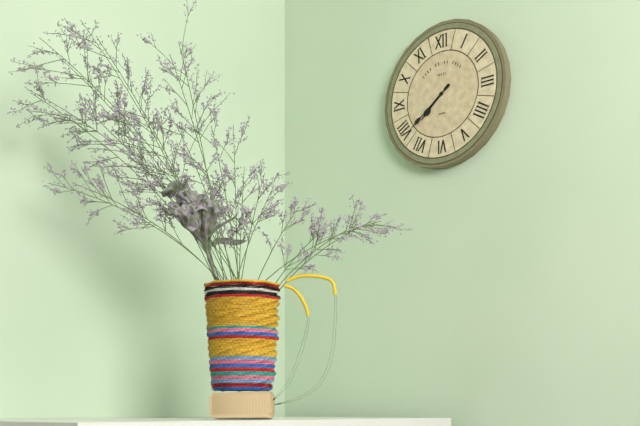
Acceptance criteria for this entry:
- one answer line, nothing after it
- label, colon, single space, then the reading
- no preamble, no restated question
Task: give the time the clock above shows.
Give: 7:39
